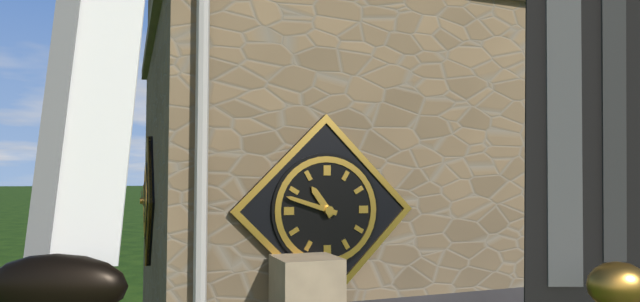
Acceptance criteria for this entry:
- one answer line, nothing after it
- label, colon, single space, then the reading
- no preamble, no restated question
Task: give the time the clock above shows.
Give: 10:48
